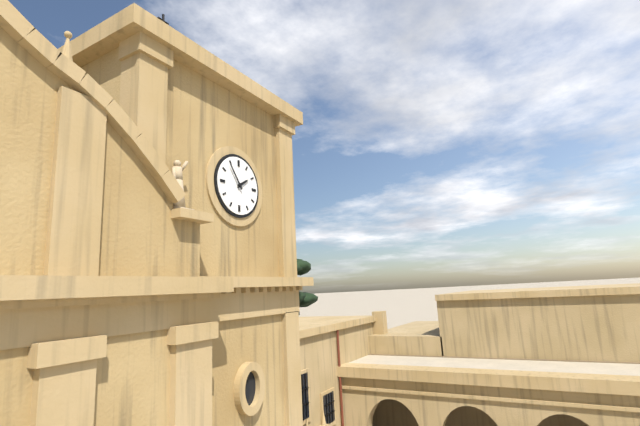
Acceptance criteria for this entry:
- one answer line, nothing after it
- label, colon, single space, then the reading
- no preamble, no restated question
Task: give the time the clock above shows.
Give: 1:54
